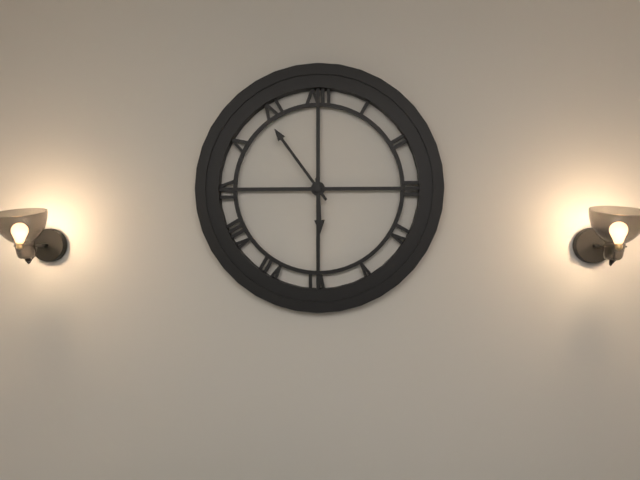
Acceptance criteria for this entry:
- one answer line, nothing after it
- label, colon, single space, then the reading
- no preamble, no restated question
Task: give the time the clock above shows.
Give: 5:54
